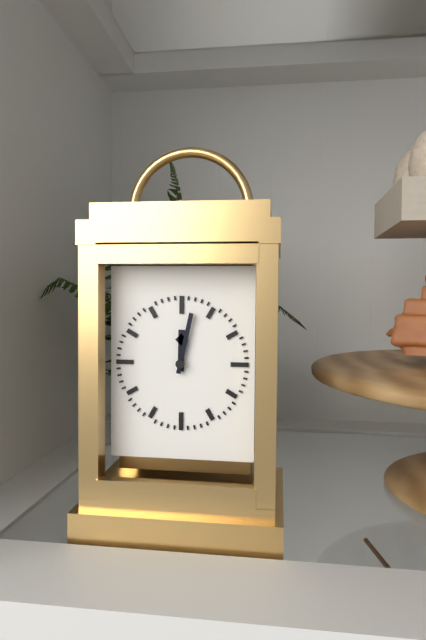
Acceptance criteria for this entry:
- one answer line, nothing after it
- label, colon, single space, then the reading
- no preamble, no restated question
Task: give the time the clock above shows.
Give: 12:02
